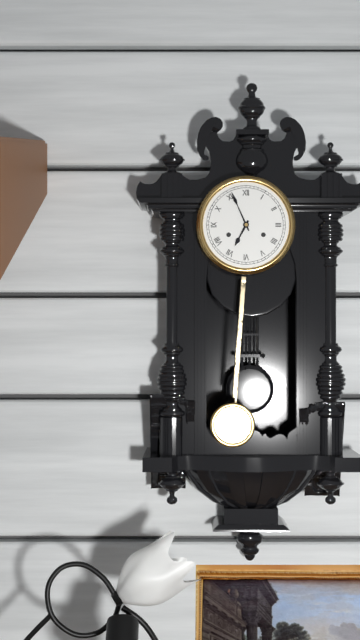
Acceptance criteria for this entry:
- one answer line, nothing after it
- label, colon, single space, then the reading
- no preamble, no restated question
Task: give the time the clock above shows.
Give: 6:56
